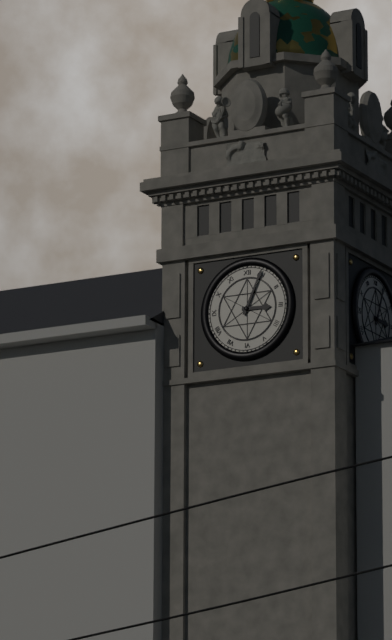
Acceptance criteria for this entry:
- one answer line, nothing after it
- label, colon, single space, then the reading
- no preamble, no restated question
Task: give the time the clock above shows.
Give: 3:04
